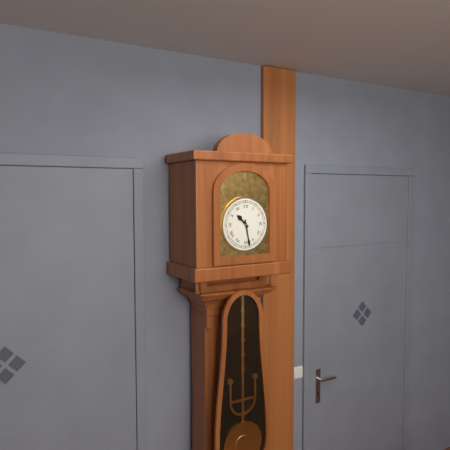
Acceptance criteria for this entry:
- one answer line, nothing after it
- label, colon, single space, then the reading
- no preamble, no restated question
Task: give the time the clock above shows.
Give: 10:28
